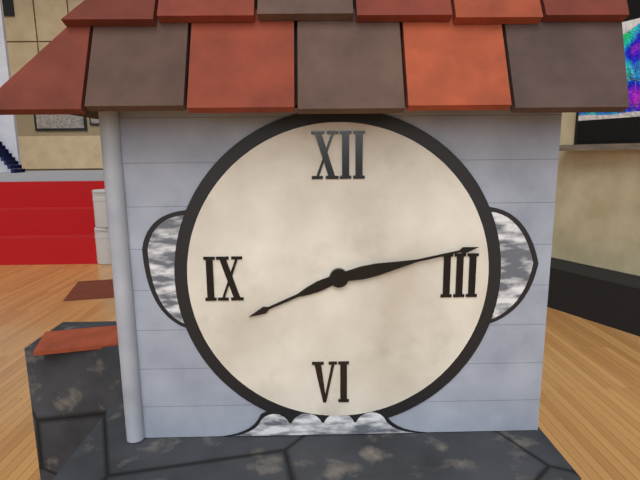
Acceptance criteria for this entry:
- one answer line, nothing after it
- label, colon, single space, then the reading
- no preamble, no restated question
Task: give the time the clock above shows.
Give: 8:13
